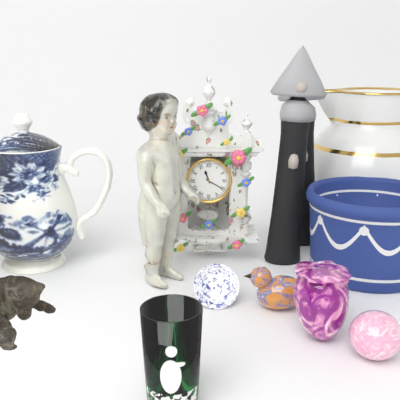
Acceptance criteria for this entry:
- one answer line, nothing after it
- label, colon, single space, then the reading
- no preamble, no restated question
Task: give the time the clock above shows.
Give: 11:20
